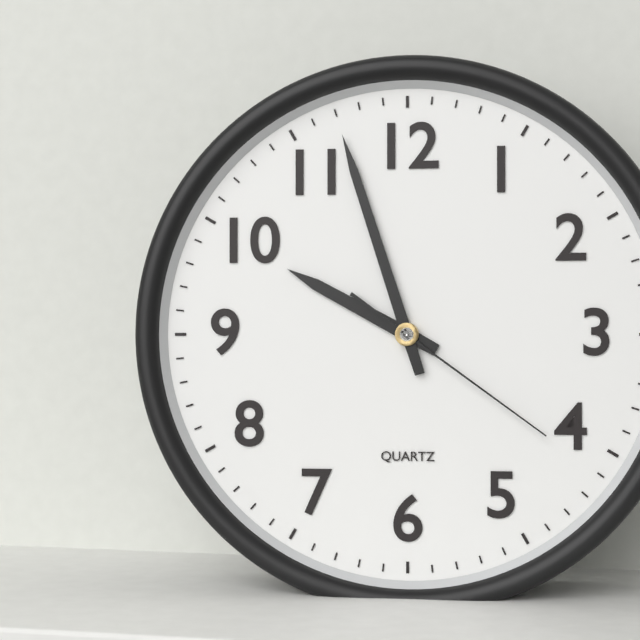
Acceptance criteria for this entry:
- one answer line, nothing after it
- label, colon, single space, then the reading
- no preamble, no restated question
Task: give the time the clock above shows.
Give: 9:57:21
